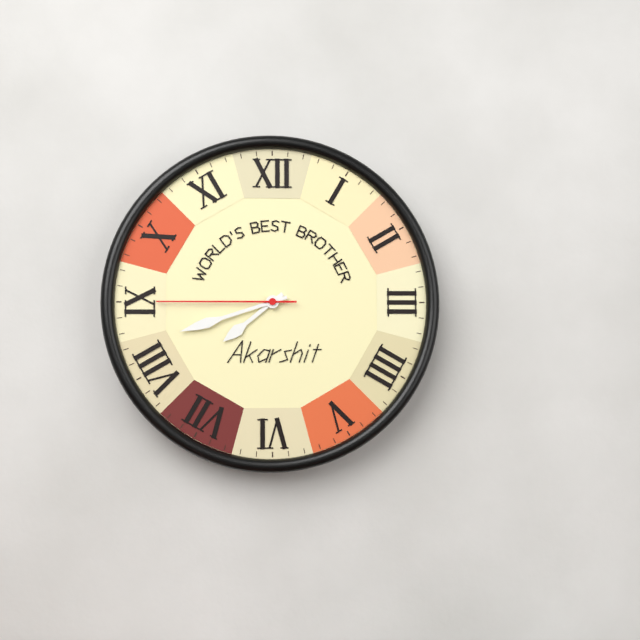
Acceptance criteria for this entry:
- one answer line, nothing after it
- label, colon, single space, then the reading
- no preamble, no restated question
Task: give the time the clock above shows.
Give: 7:42:45
